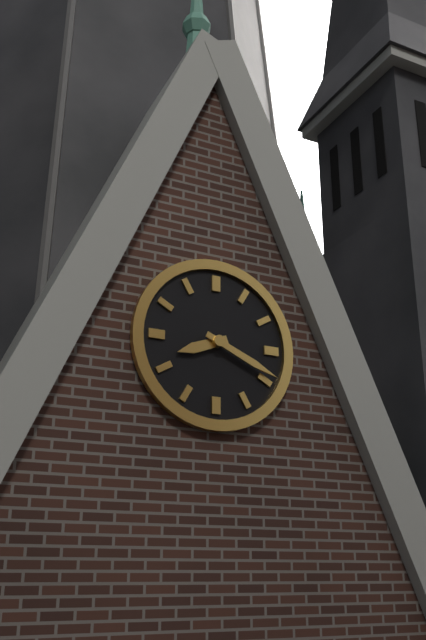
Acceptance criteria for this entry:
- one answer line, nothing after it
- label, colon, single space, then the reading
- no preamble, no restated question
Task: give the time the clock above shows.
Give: 8:19
